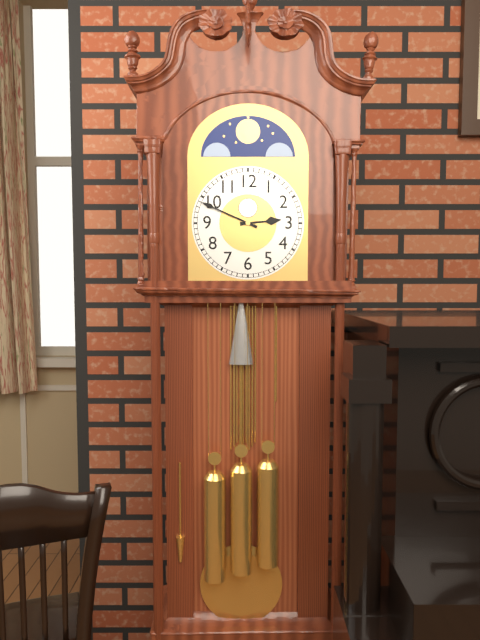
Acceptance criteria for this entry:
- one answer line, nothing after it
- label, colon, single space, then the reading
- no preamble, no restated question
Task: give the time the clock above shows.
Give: 2:49
